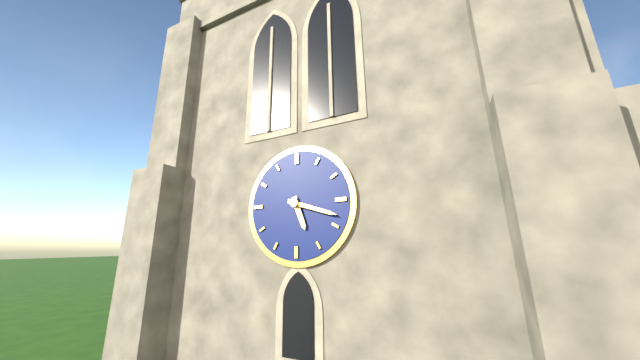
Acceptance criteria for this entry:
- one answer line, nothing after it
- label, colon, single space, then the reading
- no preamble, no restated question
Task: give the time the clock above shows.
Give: 5:18
